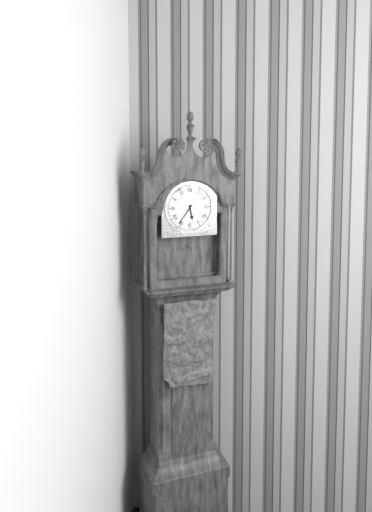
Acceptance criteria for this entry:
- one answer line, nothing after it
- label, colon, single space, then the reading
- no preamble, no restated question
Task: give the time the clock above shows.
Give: 5:36
